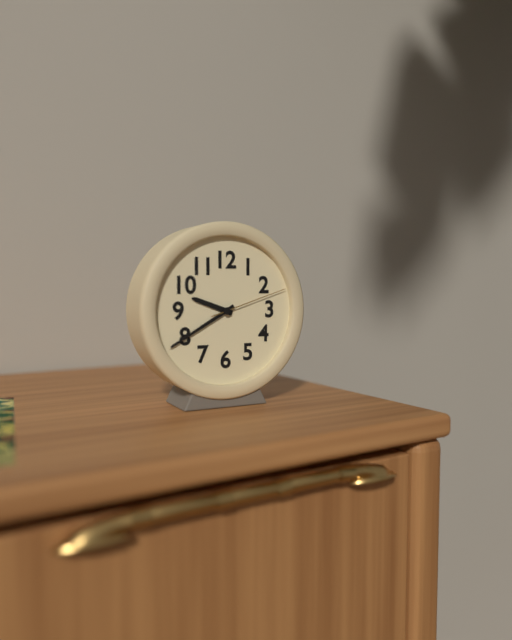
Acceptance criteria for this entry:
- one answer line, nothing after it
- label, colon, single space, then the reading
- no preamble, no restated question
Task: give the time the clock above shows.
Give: 9:40:12
